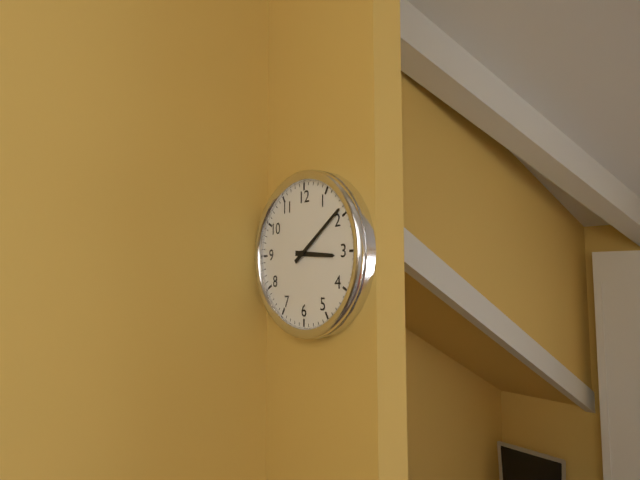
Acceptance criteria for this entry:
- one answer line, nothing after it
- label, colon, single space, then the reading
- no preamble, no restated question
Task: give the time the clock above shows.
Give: 3:09
